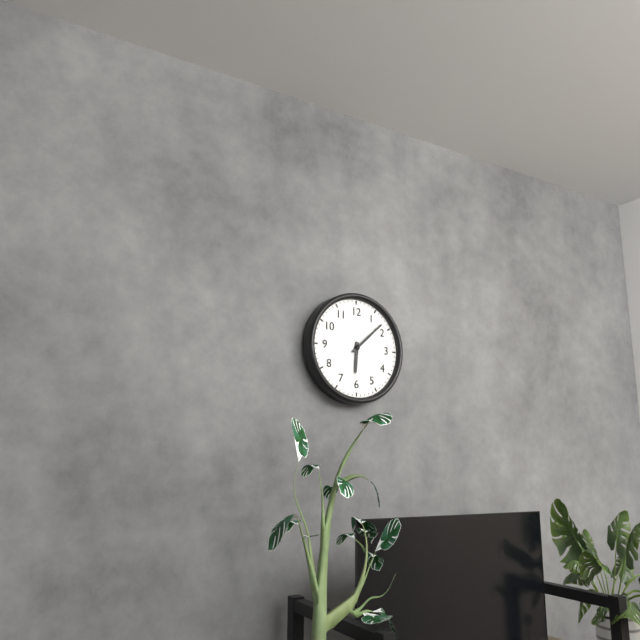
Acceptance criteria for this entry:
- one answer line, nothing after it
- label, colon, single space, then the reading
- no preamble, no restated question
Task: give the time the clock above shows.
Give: 6:08
